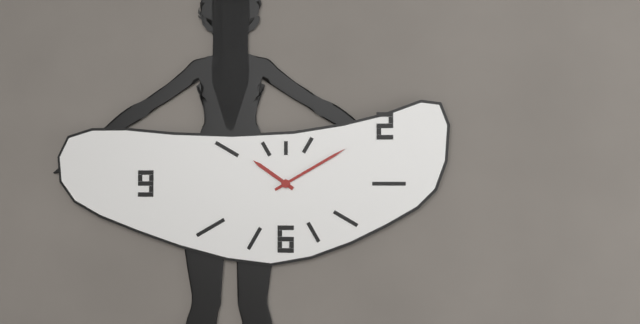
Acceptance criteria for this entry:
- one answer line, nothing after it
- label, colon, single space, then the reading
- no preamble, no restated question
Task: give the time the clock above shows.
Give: 10:10
